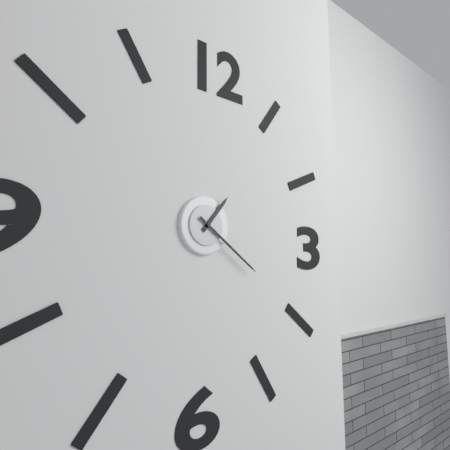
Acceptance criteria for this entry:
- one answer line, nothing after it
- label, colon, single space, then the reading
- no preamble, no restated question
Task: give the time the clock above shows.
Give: 1:21
